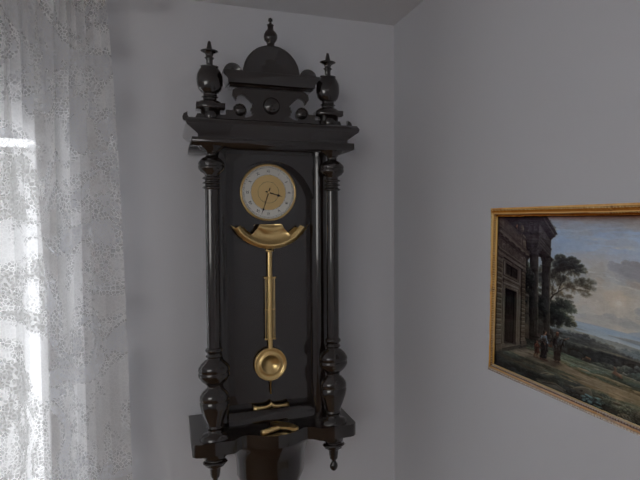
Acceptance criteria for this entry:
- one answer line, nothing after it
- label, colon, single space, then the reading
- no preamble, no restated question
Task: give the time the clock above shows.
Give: 3:33
